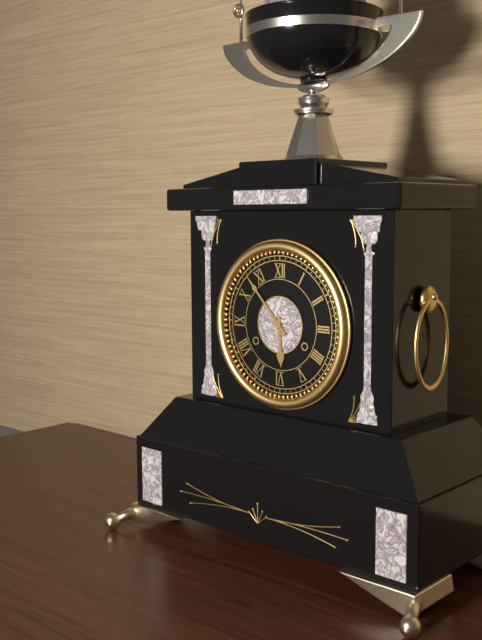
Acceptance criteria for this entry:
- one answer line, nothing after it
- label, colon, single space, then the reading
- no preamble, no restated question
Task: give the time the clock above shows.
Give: 5:53
